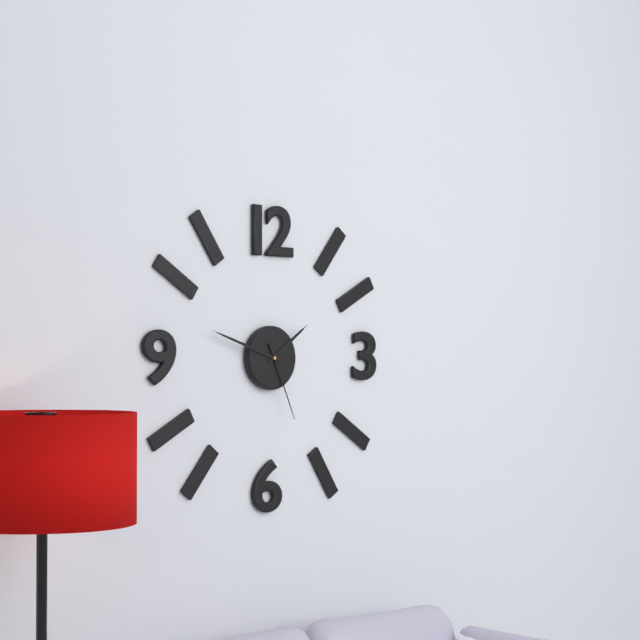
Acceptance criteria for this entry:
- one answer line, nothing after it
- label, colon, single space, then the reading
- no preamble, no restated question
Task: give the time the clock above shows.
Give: 1:48:26
